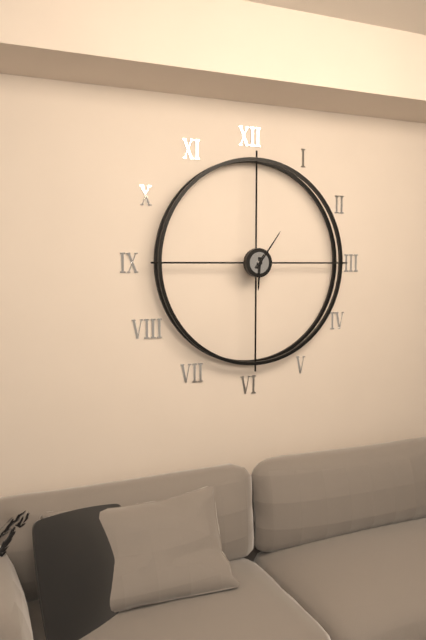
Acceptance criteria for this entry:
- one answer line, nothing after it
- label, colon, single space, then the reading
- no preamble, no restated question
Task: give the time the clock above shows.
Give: 6:06
